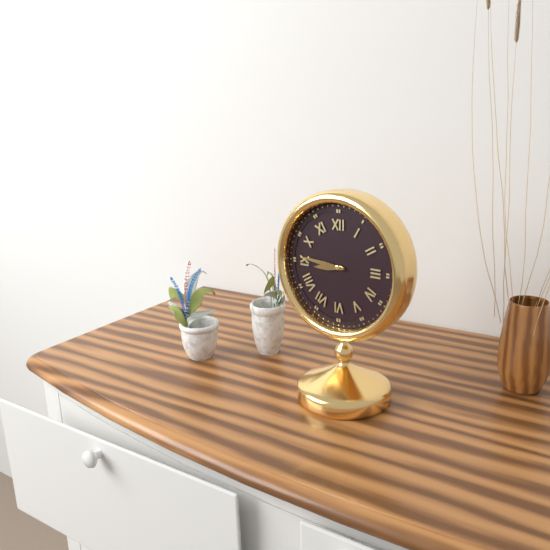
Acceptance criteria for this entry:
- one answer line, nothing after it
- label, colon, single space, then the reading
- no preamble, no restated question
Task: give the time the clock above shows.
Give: 8:46
